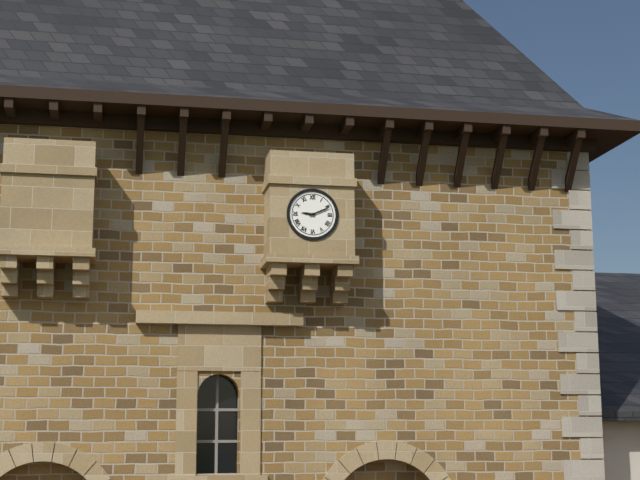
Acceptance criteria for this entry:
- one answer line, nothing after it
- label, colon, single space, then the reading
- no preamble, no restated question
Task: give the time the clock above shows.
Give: 9:11
